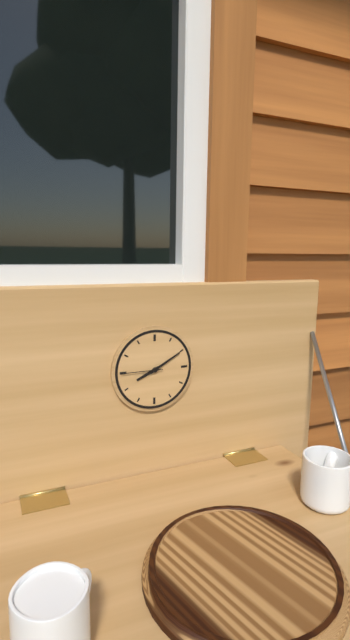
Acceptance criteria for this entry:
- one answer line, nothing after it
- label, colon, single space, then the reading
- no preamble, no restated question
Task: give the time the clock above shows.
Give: 8:10
